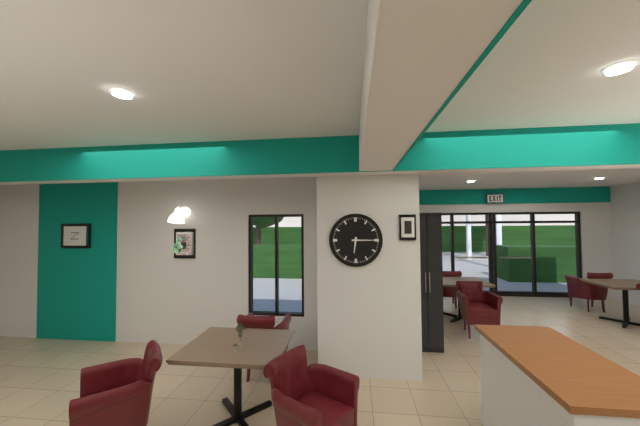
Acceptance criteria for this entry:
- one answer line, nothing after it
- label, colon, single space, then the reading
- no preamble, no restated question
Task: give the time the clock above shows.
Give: 6:15
